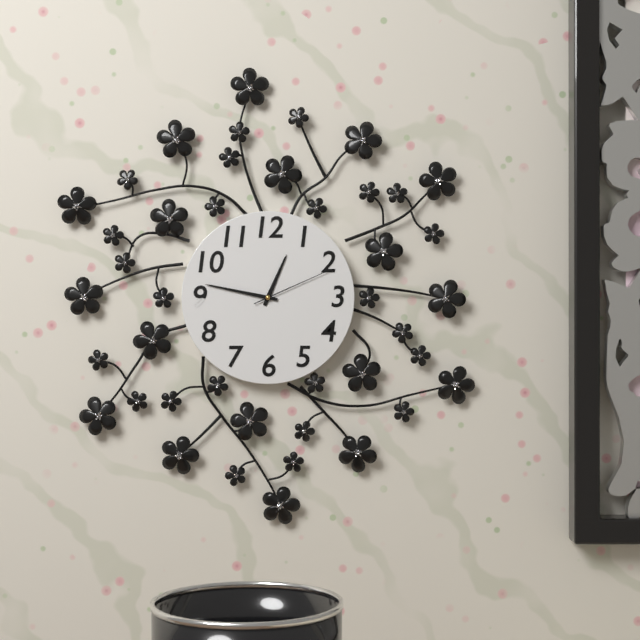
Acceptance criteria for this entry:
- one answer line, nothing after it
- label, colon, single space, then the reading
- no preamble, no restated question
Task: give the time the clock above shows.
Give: 12:47:11
